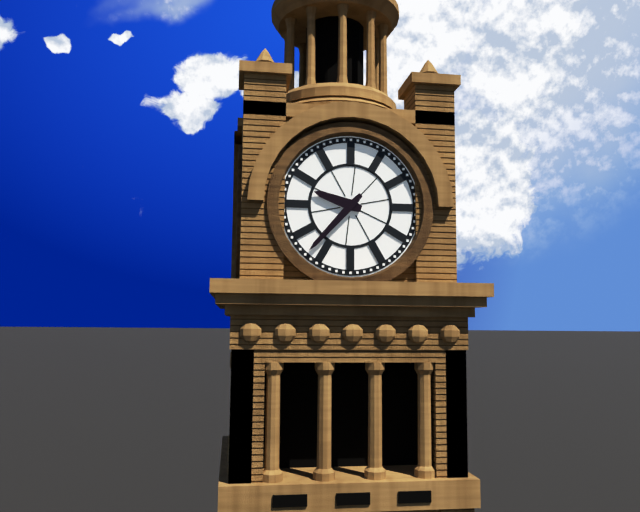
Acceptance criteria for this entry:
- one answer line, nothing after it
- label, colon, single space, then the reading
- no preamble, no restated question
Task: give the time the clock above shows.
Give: 9:37
